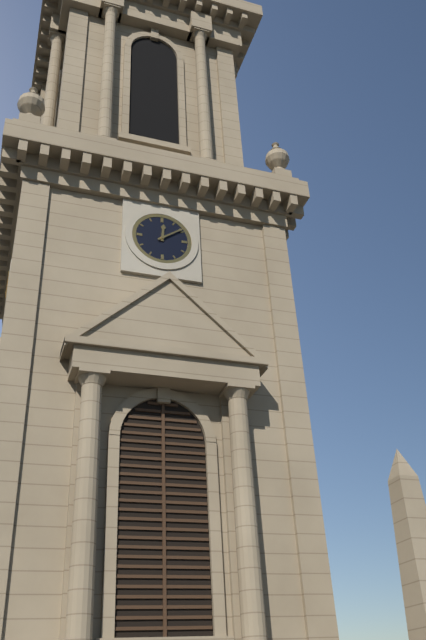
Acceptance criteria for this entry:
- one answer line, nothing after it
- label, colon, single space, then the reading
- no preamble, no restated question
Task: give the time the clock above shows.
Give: 12:09
